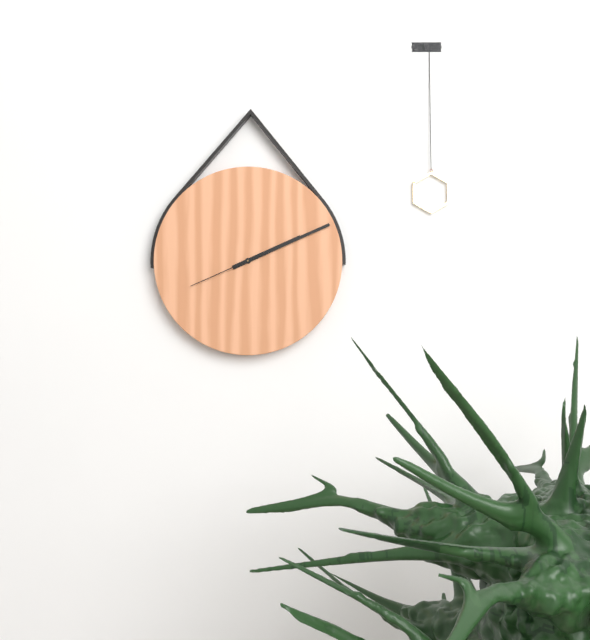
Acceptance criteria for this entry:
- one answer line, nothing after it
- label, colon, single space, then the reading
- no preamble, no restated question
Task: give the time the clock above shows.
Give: 2:11:41
